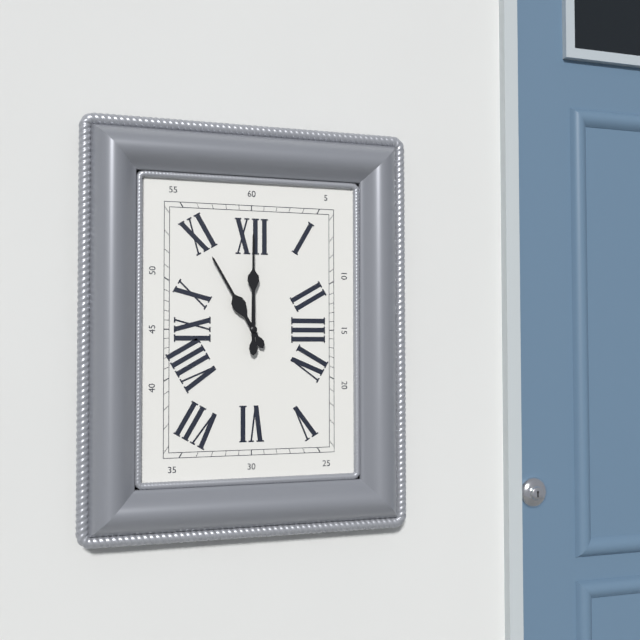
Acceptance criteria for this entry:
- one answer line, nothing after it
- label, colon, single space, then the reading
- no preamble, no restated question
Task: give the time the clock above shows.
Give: 11:00
